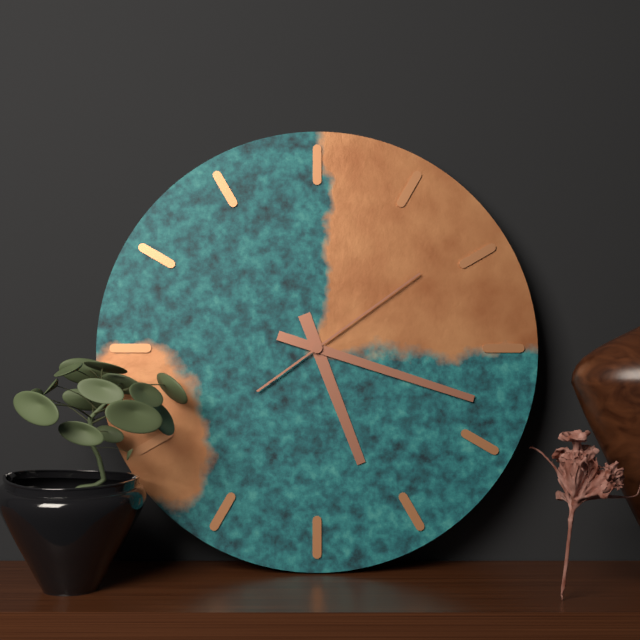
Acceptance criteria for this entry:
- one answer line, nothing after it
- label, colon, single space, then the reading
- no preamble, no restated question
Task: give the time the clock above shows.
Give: 5:18:09
